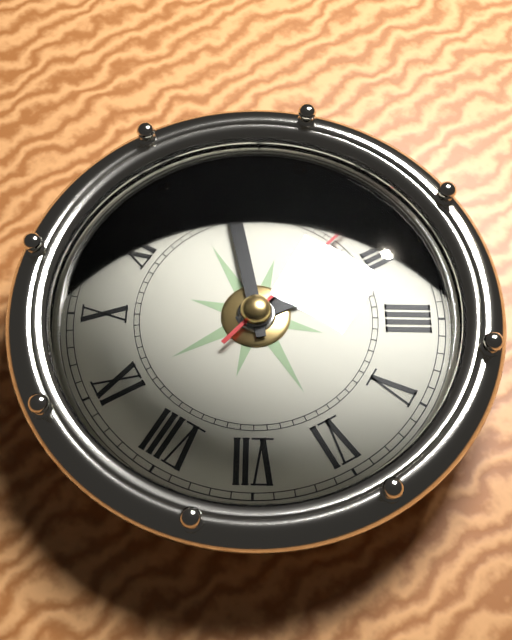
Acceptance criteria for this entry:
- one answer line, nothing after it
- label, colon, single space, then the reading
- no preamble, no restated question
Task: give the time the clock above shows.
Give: 3:03:12
